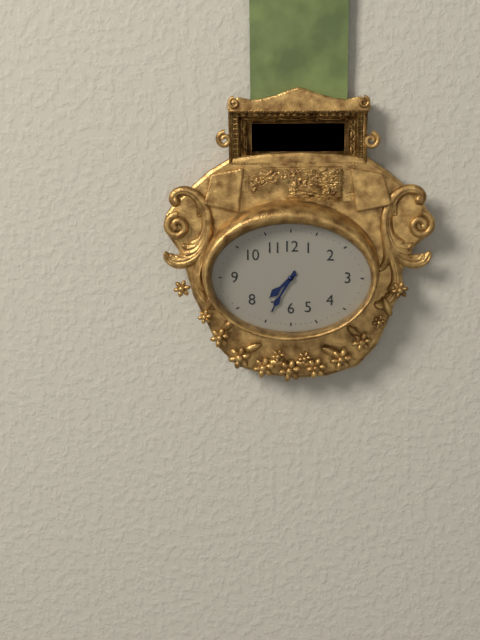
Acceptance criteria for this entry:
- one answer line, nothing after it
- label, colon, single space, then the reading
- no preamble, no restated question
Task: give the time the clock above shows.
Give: 7:35
